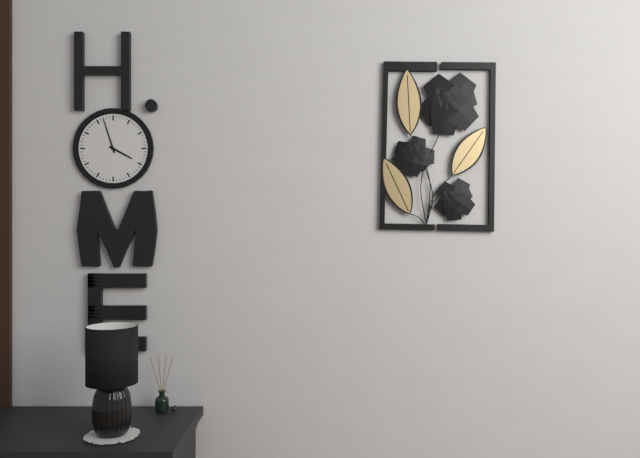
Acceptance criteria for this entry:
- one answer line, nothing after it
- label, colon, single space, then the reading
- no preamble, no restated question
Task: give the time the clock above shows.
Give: 3:57
